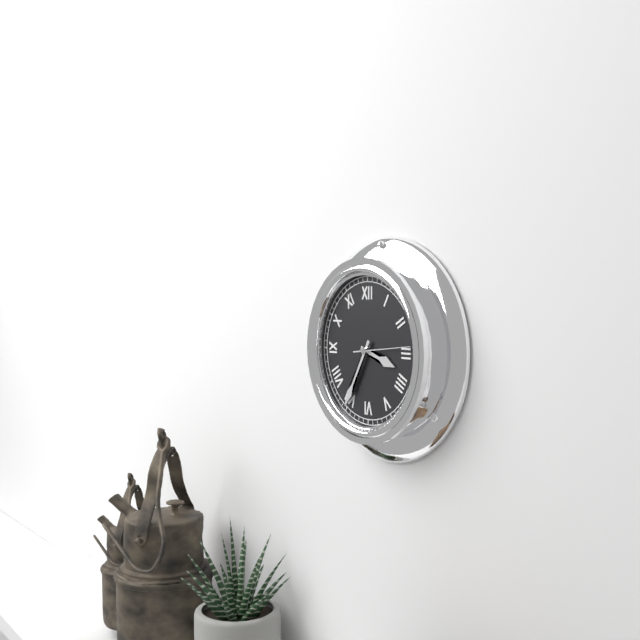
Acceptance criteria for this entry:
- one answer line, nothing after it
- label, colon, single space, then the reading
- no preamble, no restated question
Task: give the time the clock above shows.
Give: 3:35
